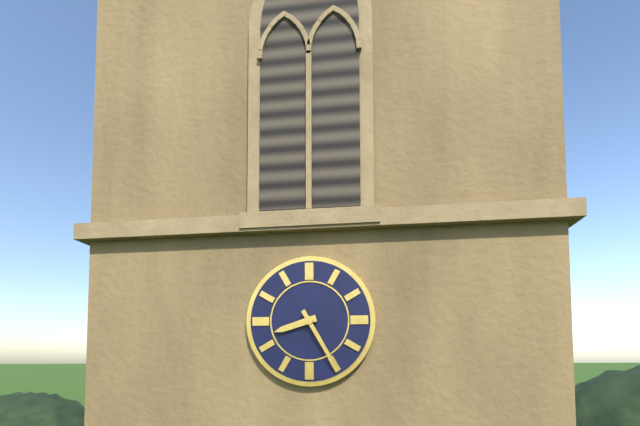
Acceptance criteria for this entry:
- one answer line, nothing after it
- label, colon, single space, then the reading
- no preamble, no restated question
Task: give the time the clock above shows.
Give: 8:25
